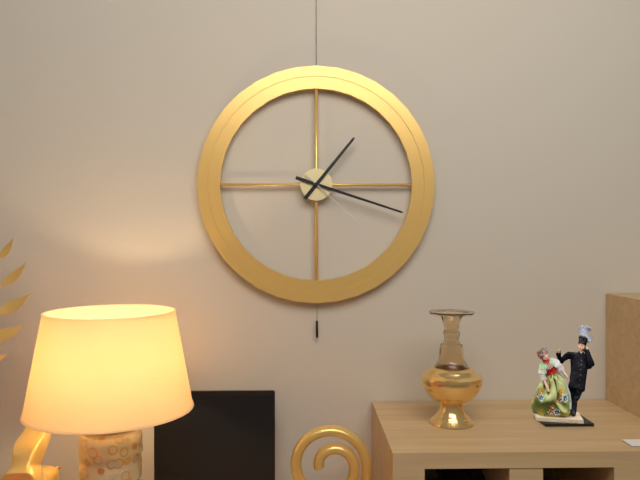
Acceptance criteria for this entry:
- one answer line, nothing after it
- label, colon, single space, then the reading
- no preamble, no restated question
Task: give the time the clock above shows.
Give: 1:18:22
